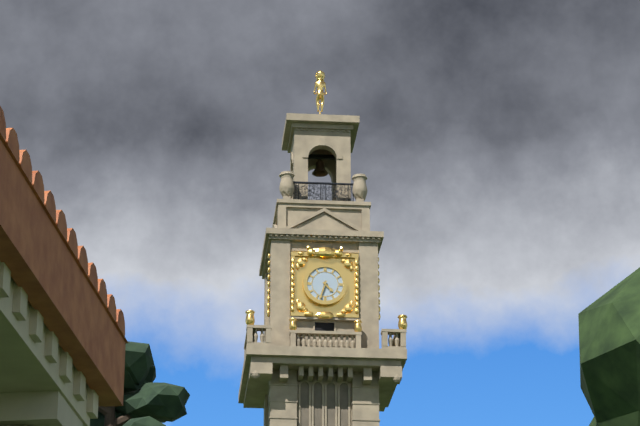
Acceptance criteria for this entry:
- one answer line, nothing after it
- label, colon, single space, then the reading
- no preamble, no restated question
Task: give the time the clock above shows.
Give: 4:33
